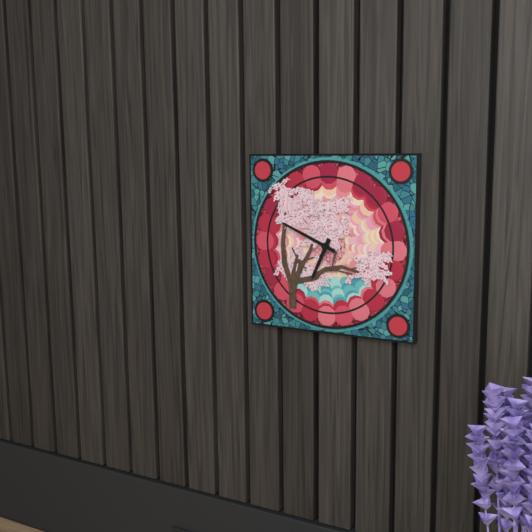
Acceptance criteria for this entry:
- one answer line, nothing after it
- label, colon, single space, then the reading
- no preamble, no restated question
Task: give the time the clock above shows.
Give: 6:49
